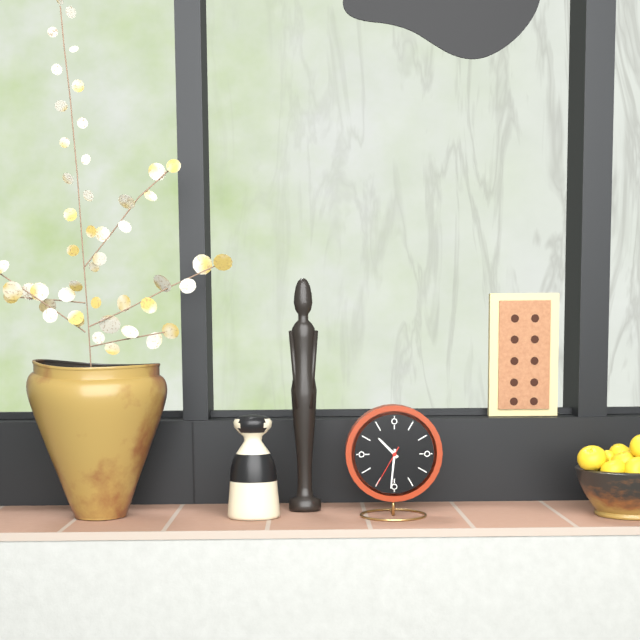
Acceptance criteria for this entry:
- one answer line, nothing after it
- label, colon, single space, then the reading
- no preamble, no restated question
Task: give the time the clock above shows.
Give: 10:31
